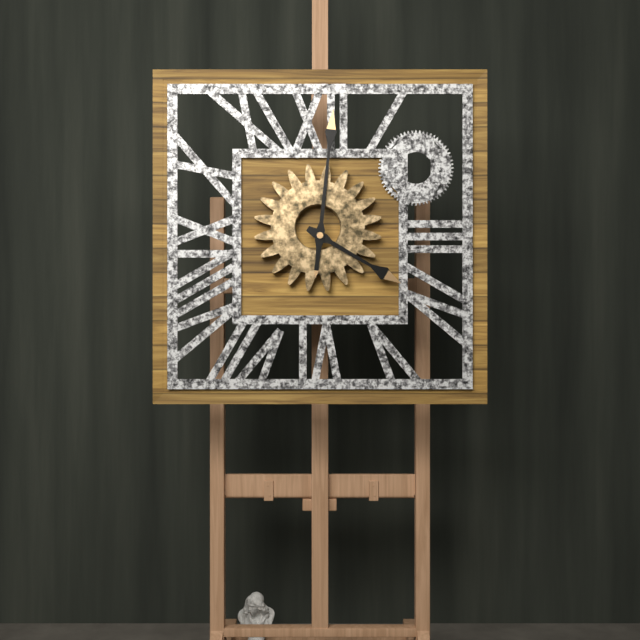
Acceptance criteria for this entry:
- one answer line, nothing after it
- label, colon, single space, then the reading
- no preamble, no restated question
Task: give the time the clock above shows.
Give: 4:01
